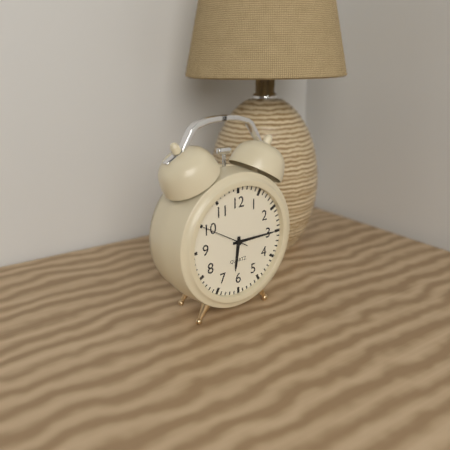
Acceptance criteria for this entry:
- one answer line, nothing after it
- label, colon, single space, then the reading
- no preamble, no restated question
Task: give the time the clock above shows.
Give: 6:15:50
